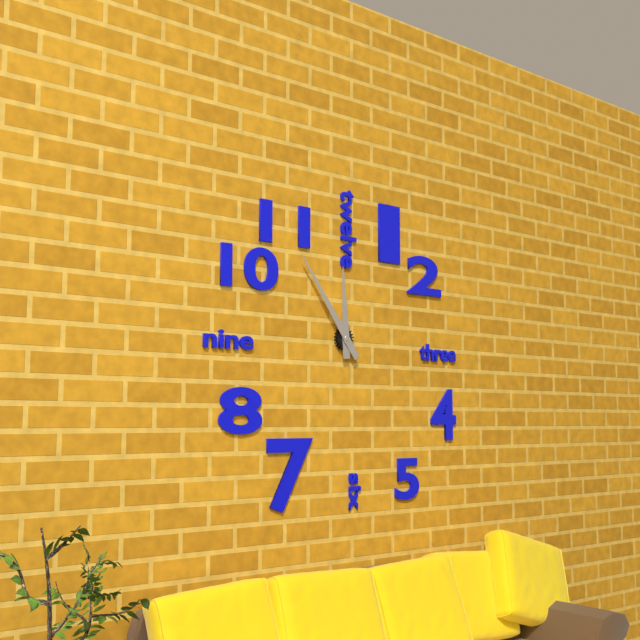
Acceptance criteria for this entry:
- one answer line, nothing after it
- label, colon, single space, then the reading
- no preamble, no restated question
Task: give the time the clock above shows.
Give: 11:54
